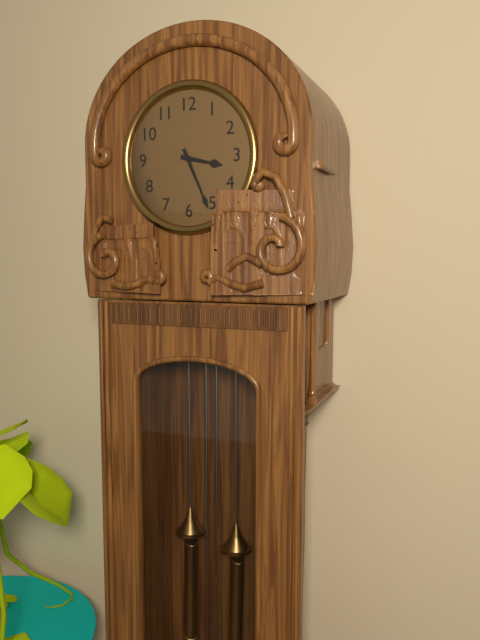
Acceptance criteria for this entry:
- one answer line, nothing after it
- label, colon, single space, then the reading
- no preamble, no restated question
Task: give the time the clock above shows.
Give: 3:26
